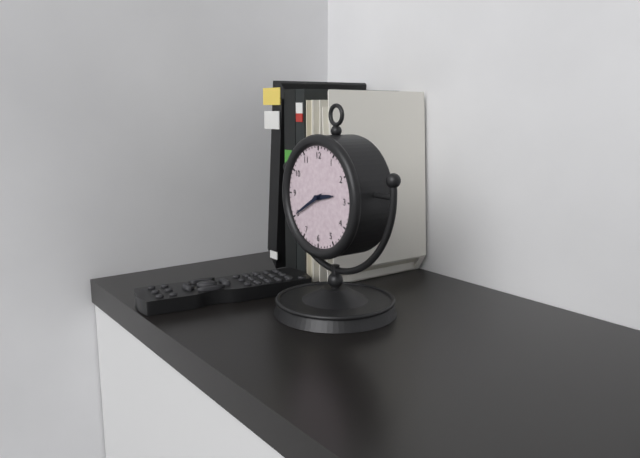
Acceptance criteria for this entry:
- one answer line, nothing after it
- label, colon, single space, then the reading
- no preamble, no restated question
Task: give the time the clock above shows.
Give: 2:40
